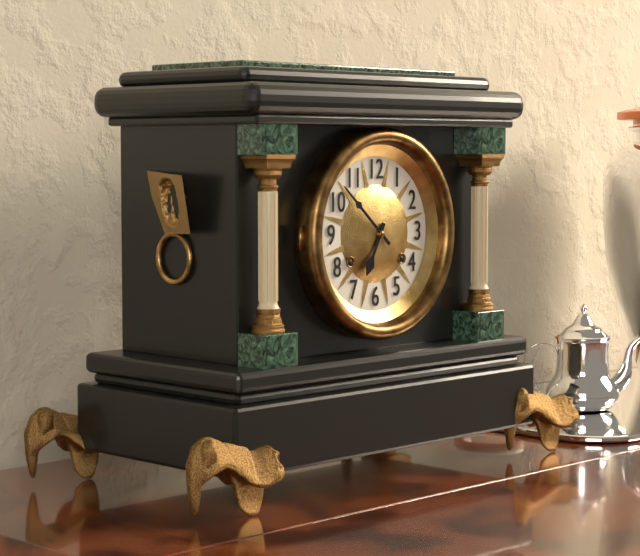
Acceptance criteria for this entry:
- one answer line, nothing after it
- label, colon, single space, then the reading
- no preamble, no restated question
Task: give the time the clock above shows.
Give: 6:52
